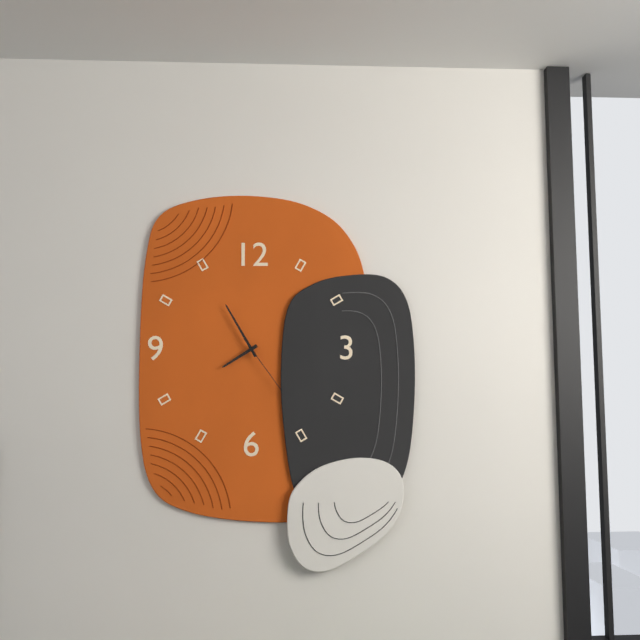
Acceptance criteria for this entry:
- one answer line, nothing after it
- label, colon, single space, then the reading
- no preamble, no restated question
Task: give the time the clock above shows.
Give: 7:55:24
